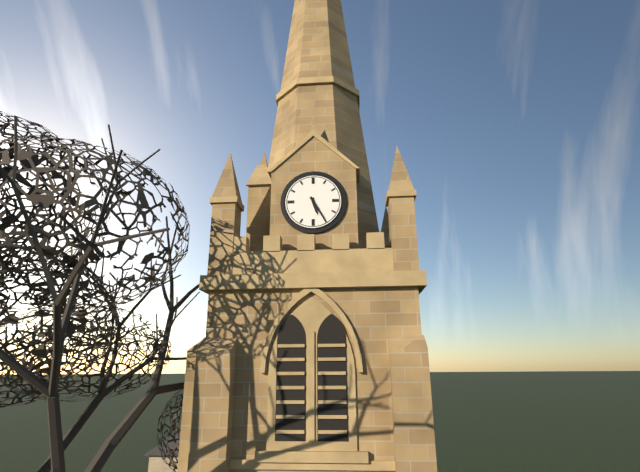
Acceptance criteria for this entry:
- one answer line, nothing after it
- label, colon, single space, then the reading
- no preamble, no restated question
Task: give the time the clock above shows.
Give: 5:25
